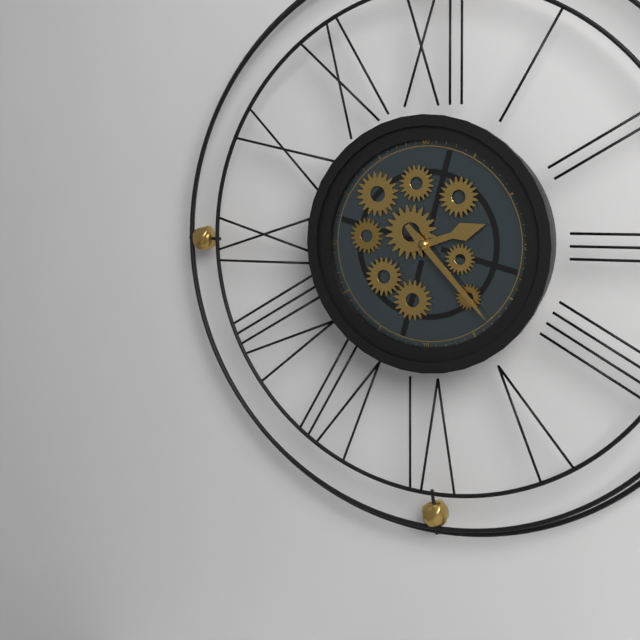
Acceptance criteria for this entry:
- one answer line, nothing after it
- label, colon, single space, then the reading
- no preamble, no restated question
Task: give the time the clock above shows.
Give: 2:23
